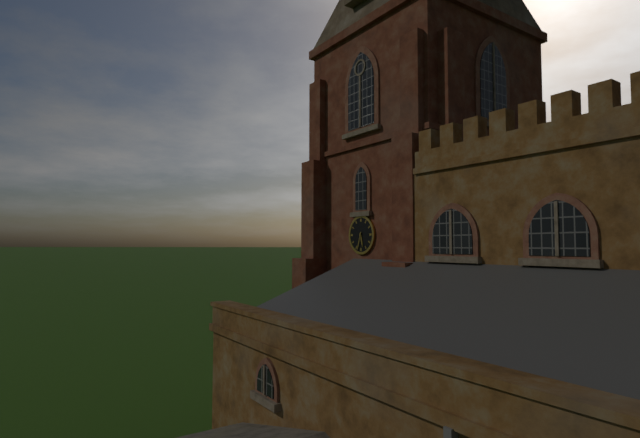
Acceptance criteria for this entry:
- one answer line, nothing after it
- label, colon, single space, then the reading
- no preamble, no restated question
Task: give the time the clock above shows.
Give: 5:33
